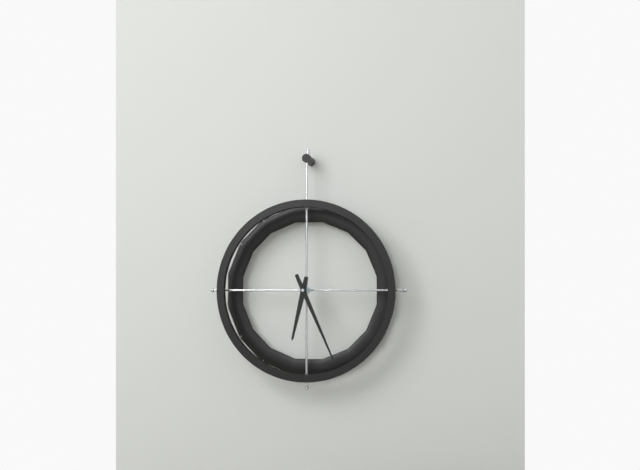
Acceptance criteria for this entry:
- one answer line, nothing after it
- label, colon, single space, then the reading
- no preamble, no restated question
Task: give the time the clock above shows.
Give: 6:26
